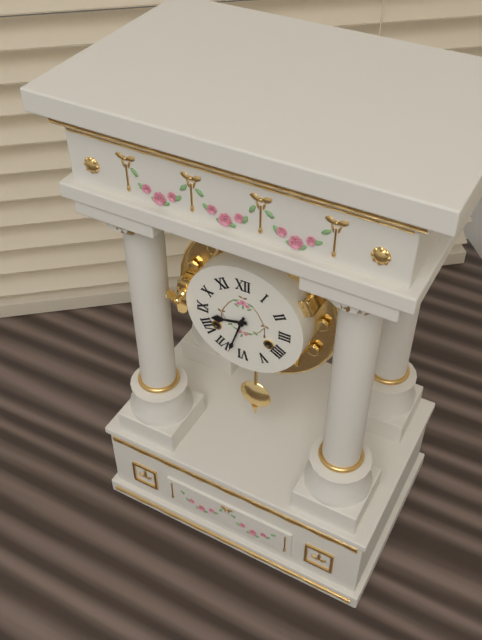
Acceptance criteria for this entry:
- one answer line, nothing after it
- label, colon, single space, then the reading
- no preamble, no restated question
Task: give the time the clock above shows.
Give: 8:33
